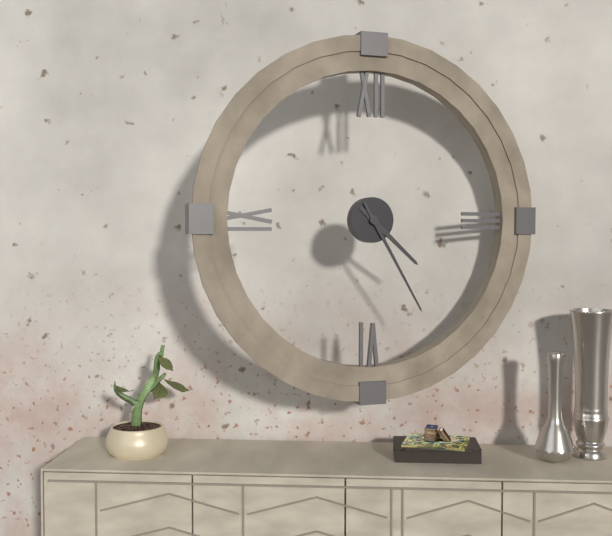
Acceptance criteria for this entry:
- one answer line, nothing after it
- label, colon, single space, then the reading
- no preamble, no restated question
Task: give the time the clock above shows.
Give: 4:25
